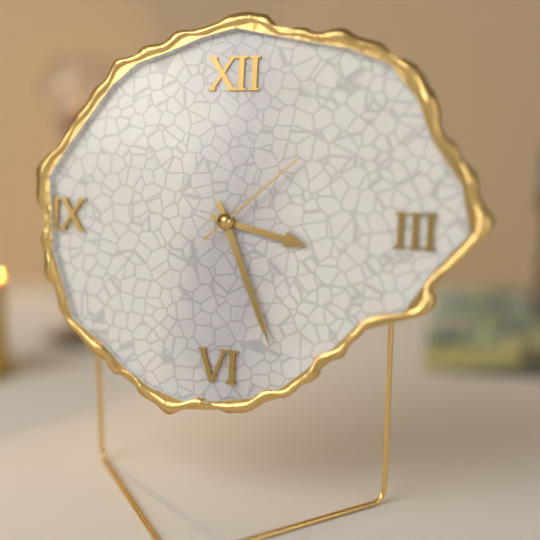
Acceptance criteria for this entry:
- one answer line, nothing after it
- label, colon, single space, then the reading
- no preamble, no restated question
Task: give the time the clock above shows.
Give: 3:26:08
